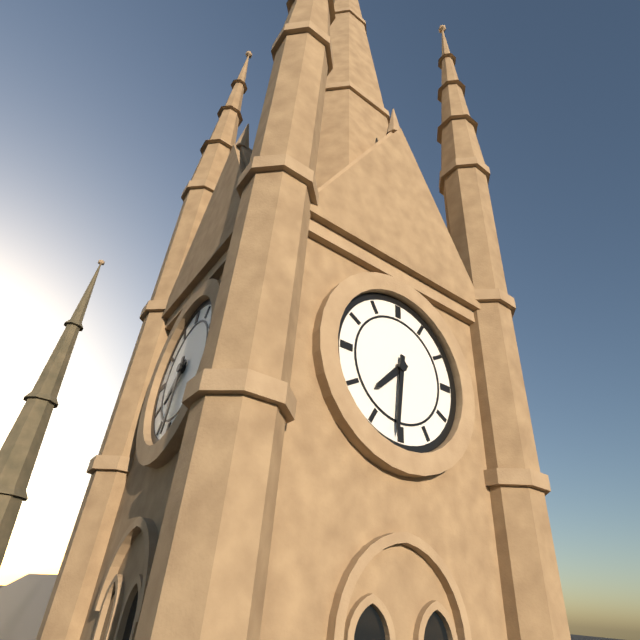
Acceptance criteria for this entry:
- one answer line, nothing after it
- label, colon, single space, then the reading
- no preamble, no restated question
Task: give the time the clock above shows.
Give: 7:31
